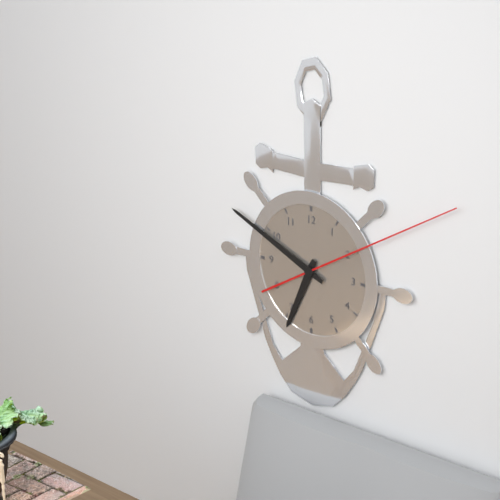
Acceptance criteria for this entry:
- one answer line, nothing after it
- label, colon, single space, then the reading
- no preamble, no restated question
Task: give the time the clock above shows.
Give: 6:49:10
